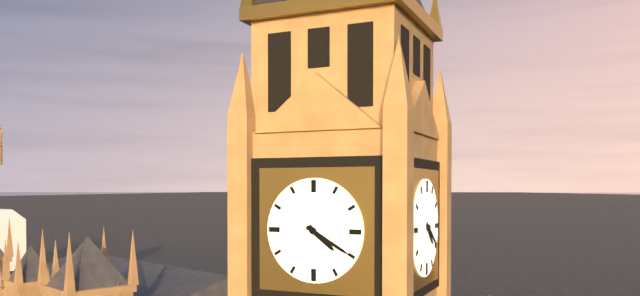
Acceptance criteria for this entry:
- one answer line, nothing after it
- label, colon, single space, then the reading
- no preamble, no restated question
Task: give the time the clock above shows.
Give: 4:20
